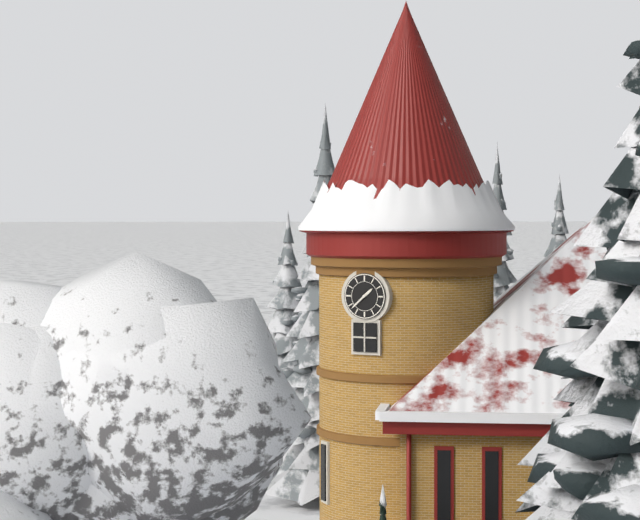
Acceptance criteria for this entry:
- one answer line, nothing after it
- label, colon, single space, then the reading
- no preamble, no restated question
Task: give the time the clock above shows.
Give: 1:38
